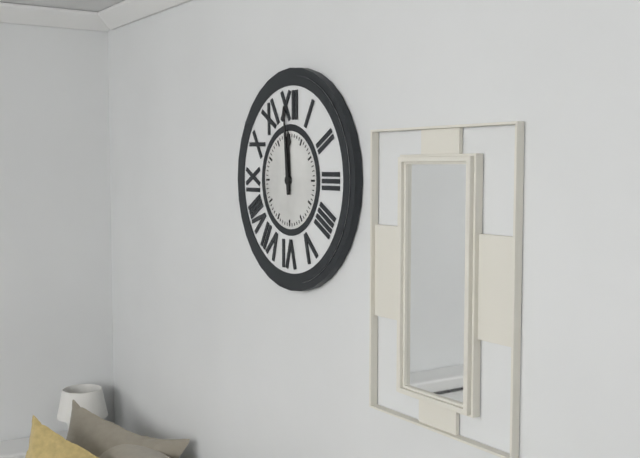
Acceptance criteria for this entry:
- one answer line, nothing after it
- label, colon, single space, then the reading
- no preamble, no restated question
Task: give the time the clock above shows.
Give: 11:59
